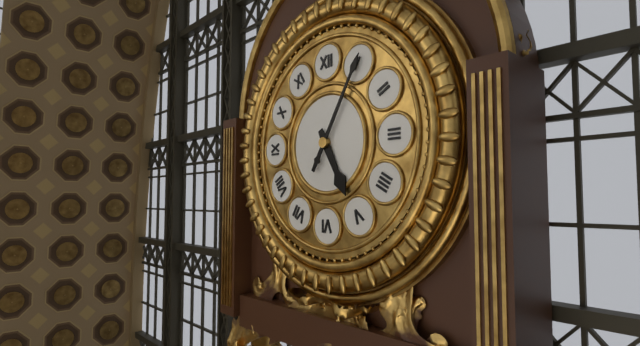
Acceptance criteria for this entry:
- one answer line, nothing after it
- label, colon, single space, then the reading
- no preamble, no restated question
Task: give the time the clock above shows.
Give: 5:05
